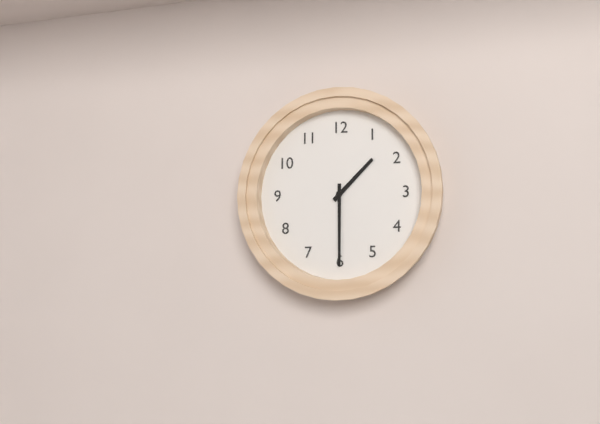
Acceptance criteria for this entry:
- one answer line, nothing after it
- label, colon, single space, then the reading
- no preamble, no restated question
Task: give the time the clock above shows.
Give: 1:30
